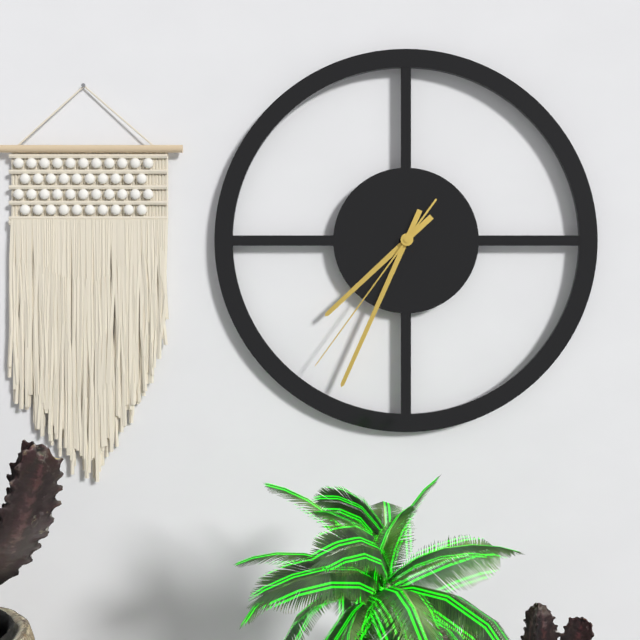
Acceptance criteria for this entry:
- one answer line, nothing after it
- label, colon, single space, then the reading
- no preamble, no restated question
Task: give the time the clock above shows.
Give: 7:34:36
